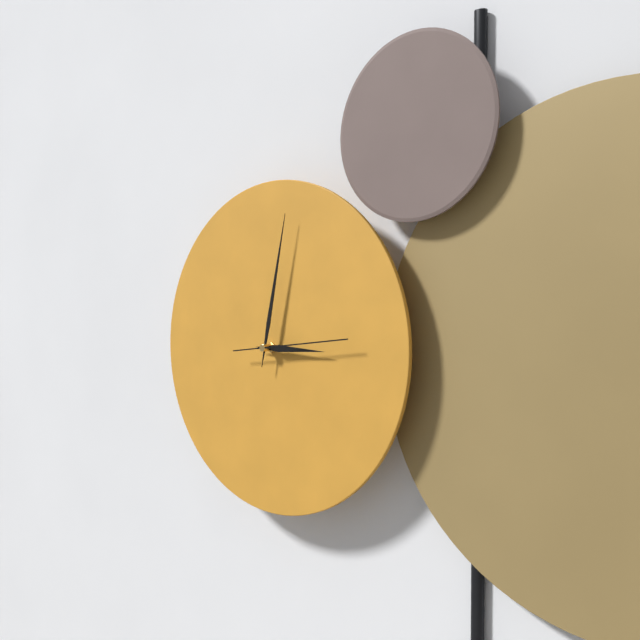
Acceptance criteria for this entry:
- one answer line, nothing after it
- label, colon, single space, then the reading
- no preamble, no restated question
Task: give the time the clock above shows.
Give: 3:02:14
